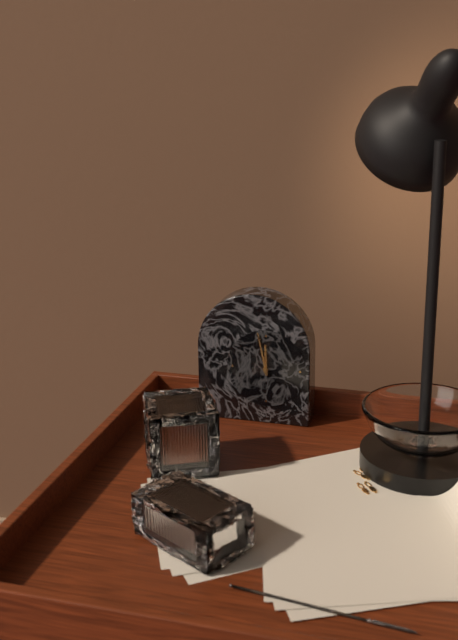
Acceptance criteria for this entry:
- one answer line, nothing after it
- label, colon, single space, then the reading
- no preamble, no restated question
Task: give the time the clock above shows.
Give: 11:58
